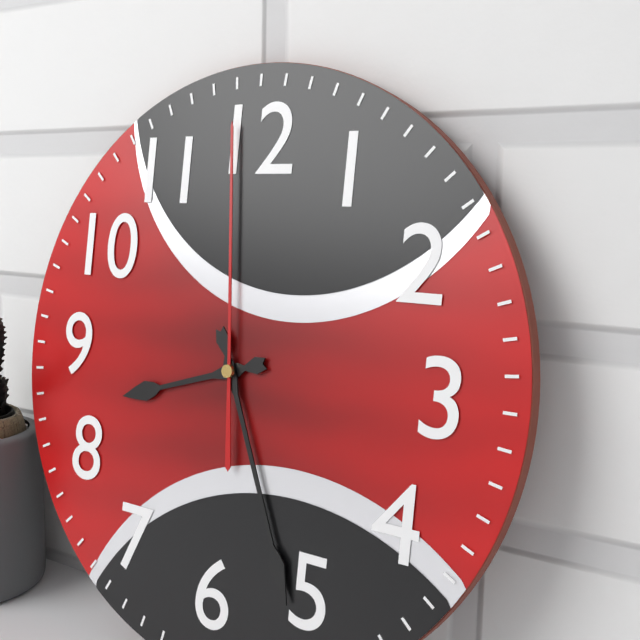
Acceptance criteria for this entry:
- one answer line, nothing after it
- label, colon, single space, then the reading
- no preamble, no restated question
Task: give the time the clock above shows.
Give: 8:26:59
